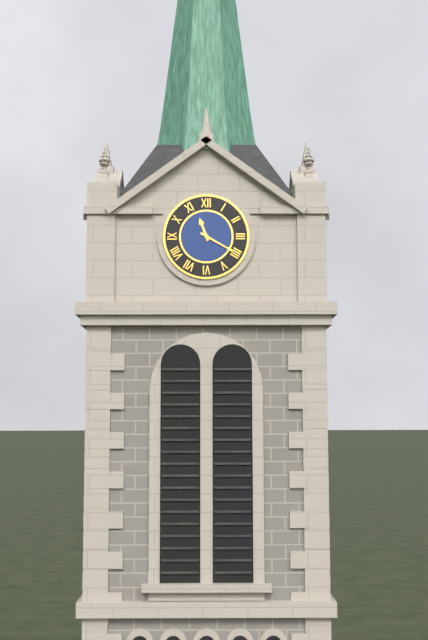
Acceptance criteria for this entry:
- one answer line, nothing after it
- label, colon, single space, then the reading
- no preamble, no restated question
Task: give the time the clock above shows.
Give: 11:20
